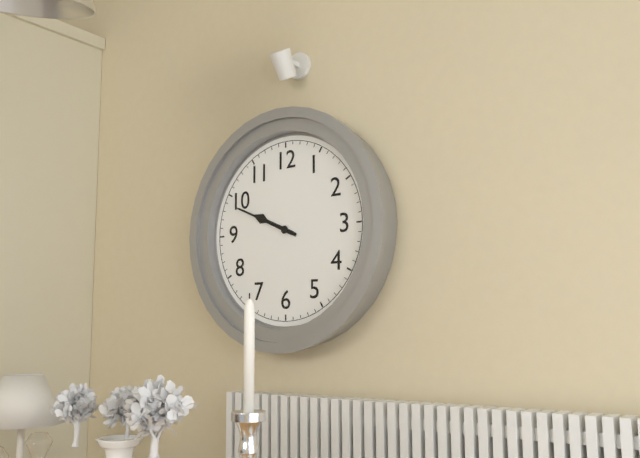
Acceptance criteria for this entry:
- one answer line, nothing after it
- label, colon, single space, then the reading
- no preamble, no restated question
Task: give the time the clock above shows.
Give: 9:49
